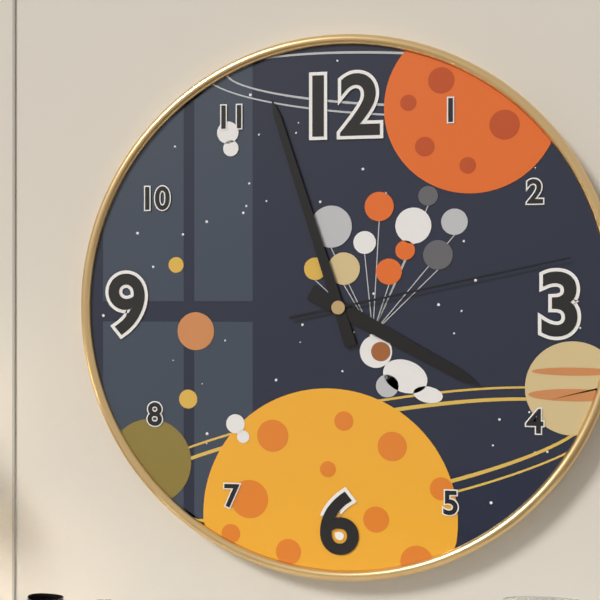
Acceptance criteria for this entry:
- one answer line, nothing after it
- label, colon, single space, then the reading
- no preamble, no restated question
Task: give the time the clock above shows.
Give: 3:57:13
